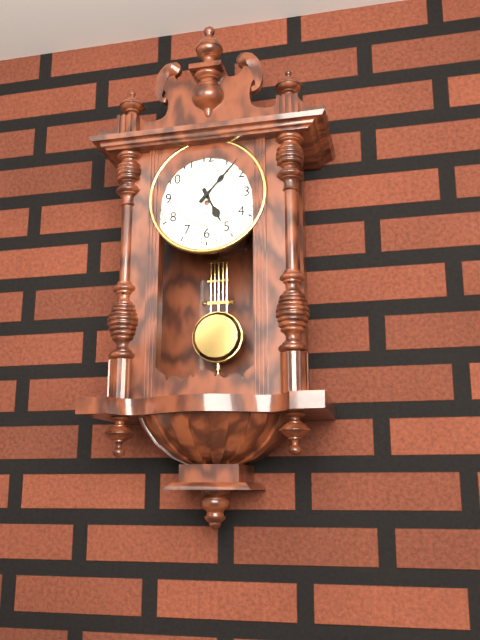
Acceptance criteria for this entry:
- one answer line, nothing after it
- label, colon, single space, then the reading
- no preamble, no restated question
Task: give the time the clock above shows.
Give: 5:07
